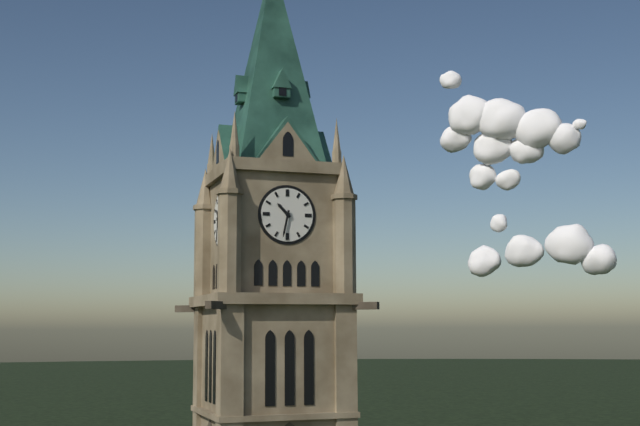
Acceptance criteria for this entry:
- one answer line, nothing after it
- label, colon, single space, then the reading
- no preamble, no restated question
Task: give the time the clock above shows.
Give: 10:32
